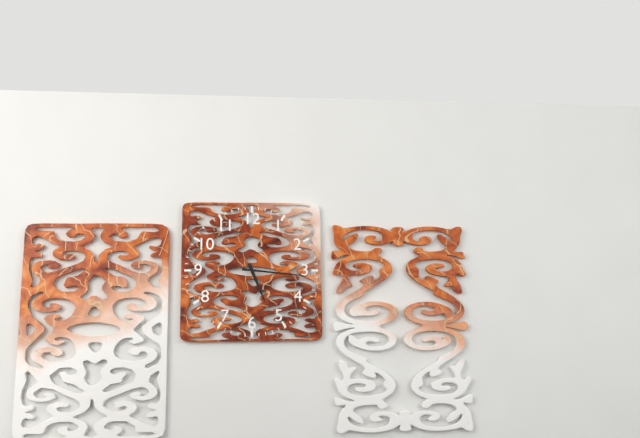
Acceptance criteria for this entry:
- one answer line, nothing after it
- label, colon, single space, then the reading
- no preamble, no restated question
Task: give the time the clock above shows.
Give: 5:16
